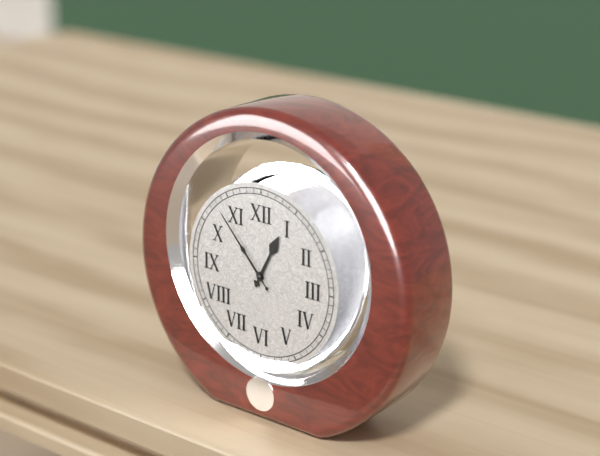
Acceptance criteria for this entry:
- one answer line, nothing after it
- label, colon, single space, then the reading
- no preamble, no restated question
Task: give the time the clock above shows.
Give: 12:53
